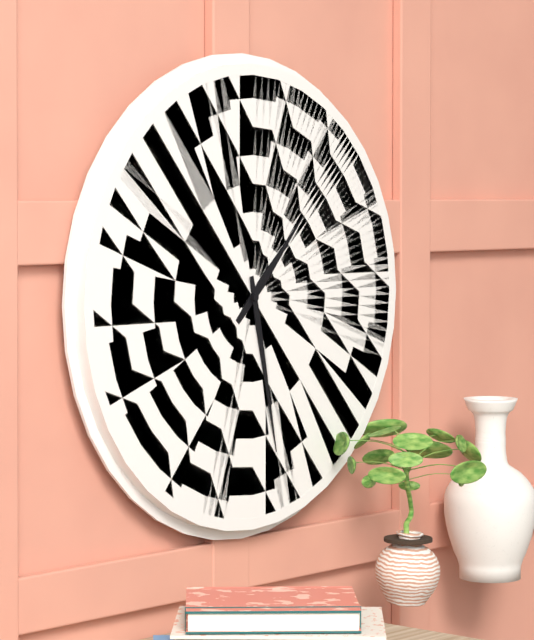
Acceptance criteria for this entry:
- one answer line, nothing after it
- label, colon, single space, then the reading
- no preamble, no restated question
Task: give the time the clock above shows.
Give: 1:28
